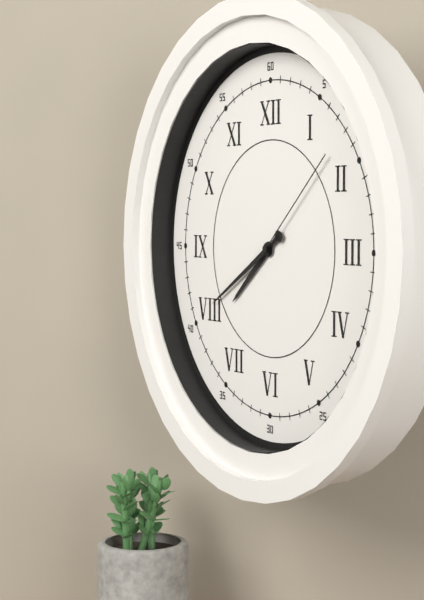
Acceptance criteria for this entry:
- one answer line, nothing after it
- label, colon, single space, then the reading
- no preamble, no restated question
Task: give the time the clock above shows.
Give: 7:40:08
